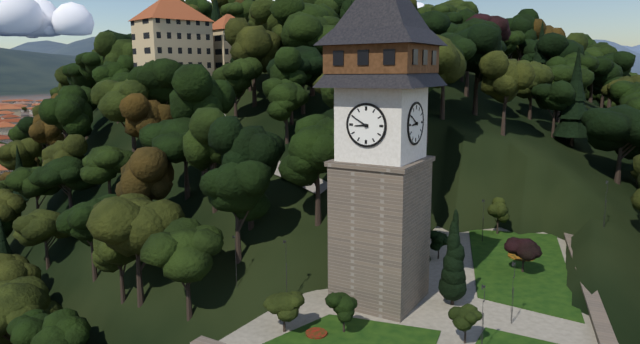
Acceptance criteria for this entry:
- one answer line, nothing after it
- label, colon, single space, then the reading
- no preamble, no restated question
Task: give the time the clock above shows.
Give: 8:50
